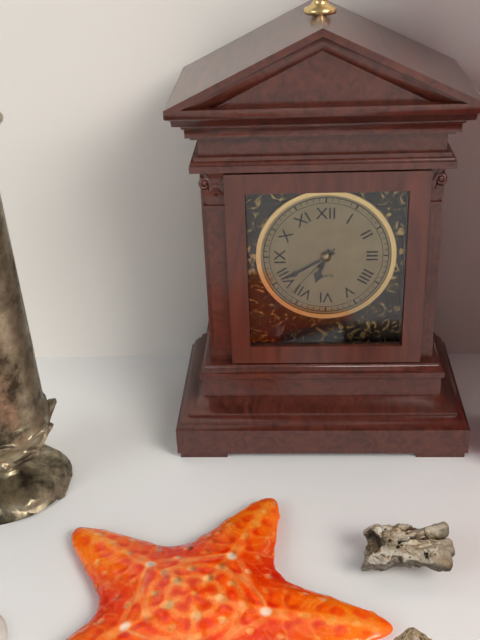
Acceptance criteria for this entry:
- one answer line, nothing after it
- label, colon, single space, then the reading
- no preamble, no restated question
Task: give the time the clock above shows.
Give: 6:40:37
